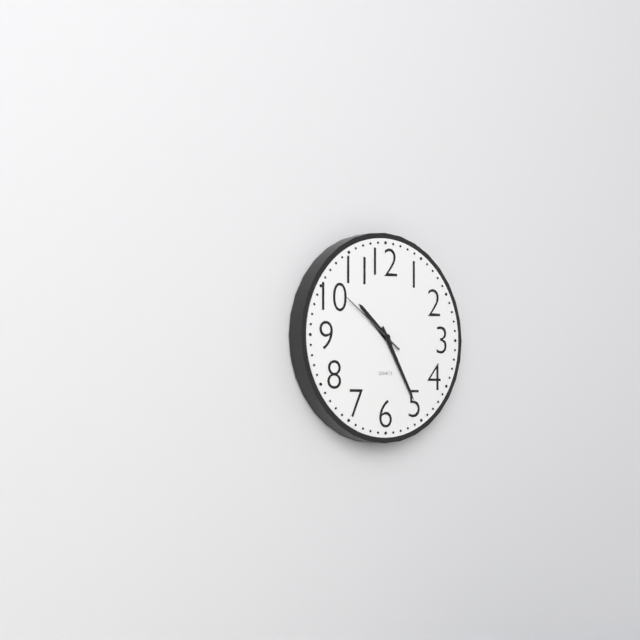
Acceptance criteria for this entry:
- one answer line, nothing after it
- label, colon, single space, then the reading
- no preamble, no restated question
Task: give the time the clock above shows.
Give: 10:25:51
